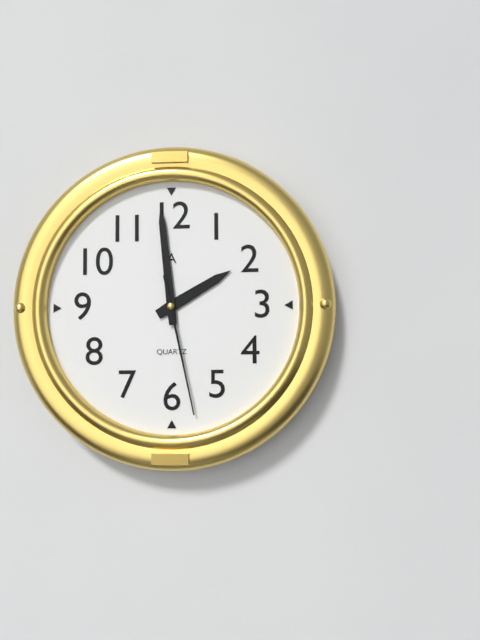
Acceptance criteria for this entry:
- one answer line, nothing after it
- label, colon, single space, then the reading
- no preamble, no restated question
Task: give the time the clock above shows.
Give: 1:59:28
